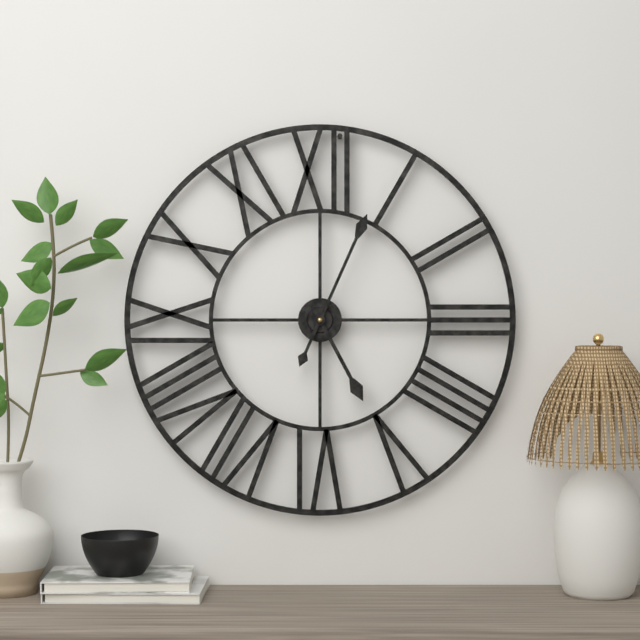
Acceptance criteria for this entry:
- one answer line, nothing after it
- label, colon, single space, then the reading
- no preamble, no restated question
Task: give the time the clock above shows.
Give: 5:04
